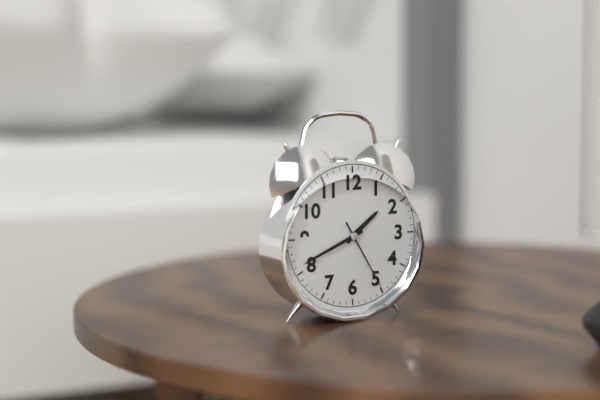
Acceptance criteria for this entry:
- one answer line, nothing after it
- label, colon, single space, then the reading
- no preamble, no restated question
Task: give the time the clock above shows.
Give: 1:41:25
